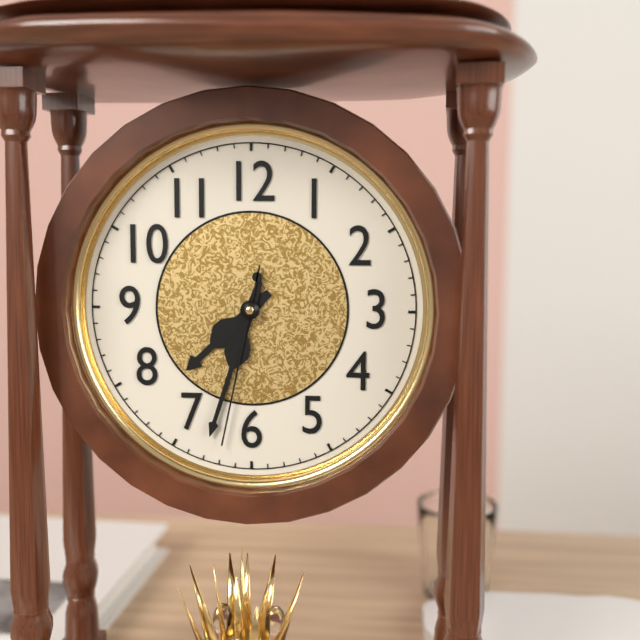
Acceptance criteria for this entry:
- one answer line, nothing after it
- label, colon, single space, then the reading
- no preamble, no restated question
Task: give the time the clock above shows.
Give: 7:33:32
